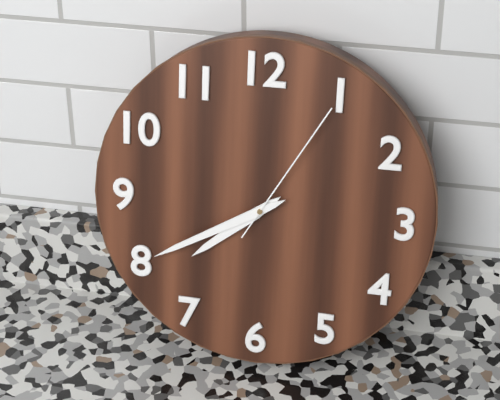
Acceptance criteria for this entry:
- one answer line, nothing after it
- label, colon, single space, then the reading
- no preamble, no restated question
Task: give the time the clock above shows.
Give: 7:40:05
